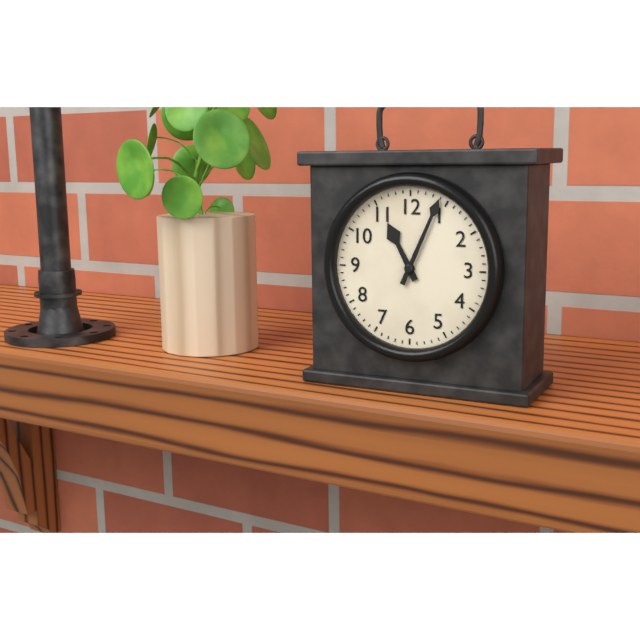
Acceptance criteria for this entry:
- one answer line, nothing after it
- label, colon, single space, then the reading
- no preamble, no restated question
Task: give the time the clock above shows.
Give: 11:04
